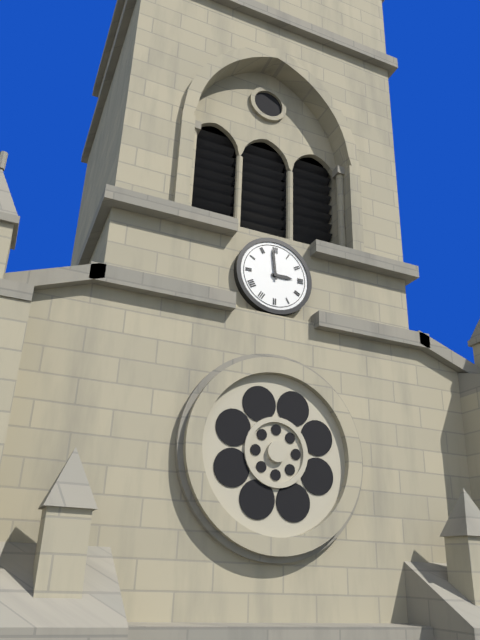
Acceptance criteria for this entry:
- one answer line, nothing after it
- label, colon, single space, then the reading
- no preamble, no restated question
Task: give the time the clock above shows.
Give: 2:59
